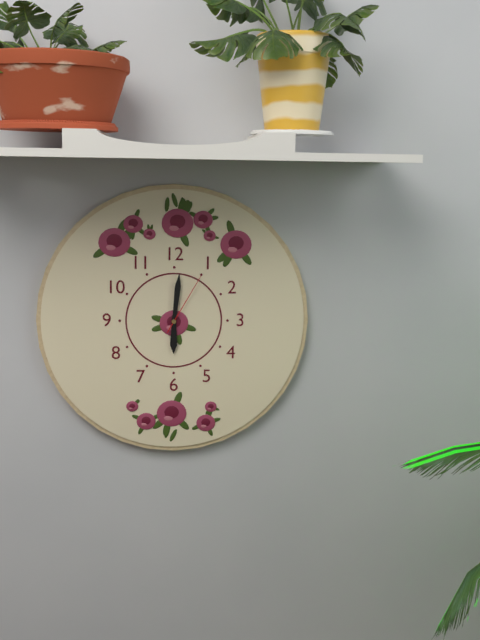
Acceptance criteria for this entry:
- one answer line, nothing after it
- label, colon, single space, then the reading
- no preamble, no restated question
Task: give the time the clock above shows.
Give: 6:01:05
